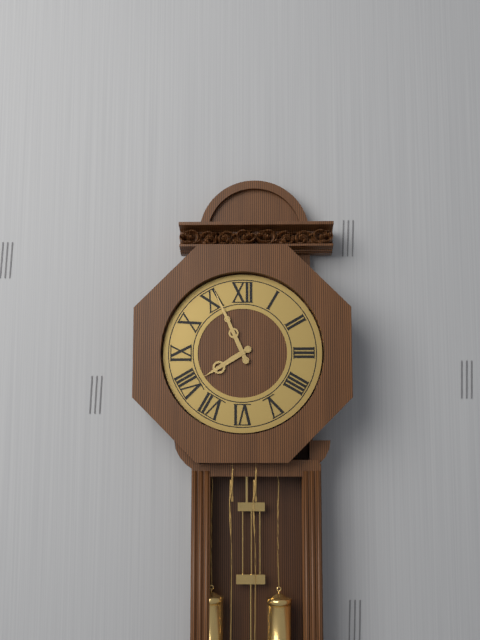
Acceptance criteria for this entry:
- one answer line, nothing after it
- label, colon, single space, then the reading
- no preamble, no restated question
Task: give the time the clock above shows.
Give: 7:56
